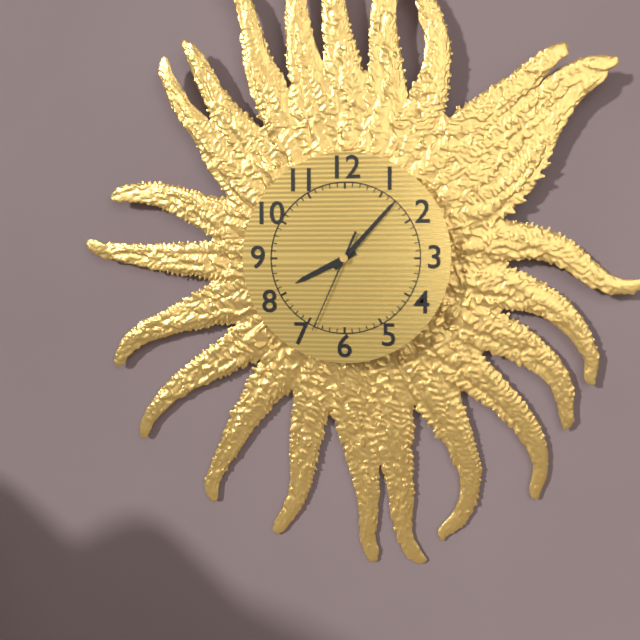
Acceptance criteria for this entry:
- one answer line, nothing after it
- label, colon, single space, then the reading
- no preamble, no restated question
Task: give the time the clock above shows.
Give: 8:07:34
